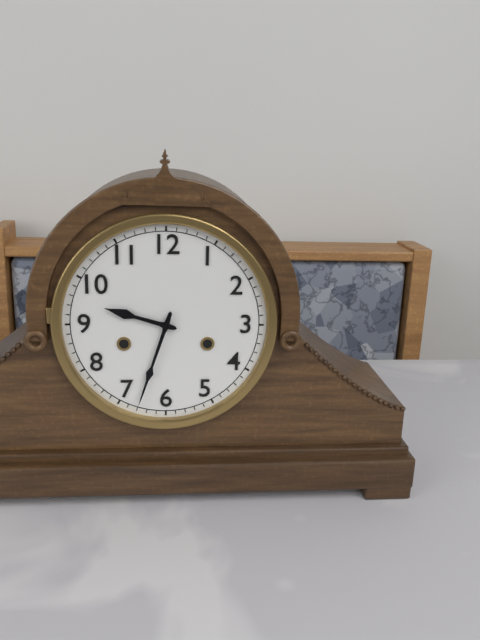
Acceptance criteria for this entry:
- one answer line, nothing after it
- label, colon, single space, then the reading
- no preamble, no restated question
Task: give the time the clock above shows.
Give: 9:33
